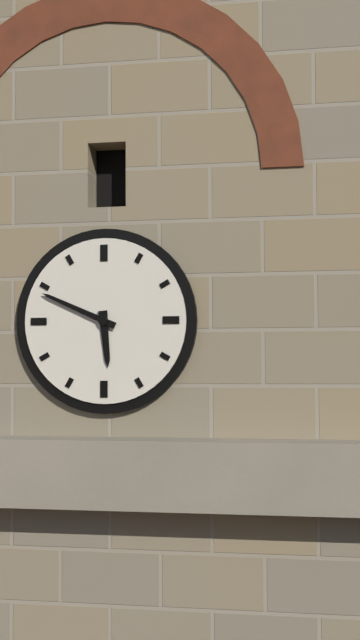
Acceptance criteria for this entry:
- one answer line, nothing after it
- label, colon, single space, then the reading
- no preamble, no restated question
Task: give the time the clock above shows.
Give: 5:49
